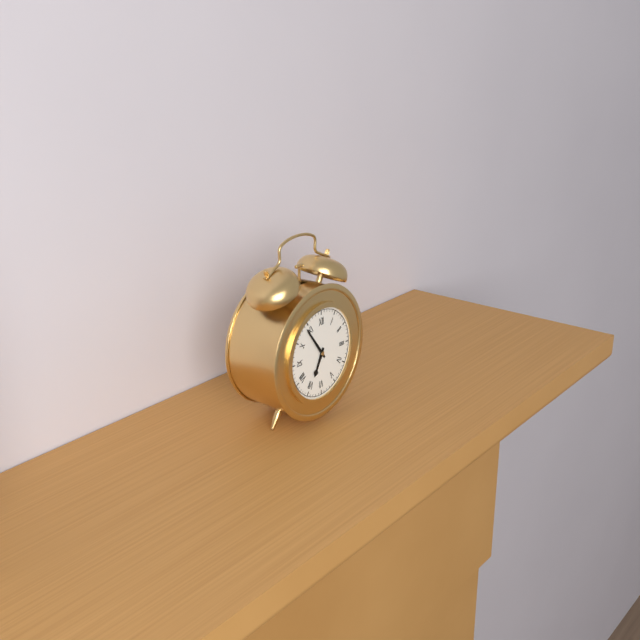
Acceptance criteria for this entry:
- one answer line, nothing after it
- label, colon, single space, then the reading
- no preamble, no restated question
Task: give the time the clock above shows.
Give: 6:54
